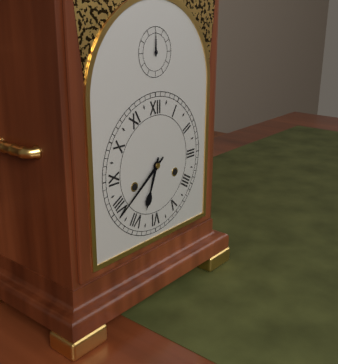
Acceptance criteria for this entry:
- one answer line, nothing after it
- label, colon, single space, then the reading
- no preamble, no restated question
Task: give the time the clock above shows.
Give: 6:39
